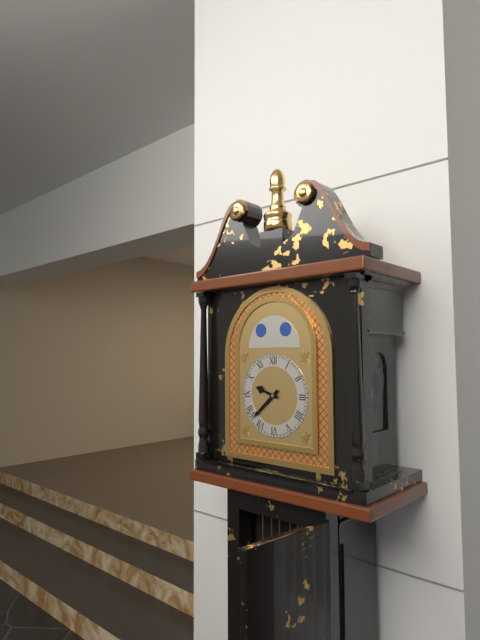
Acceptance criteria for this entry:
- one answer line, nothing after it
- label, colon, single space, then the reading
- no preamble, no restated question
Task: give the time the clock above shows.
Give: 9:38
